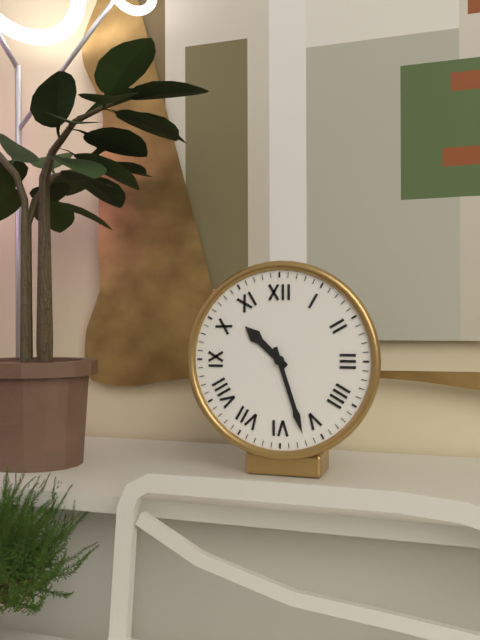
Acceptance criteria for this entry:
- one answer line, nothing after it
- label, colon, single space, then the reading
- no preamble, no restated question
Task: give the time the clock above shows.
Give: 10:27
